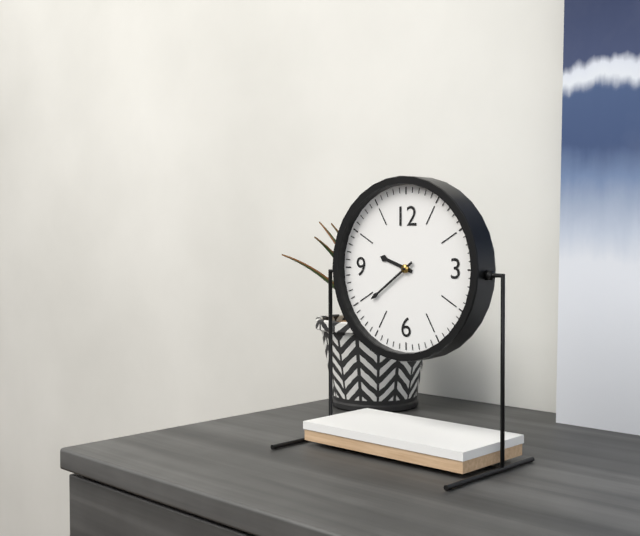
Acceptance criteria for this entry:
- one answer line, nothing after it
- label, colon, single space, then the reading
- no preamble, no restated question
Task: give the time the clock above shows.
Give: 9:39
